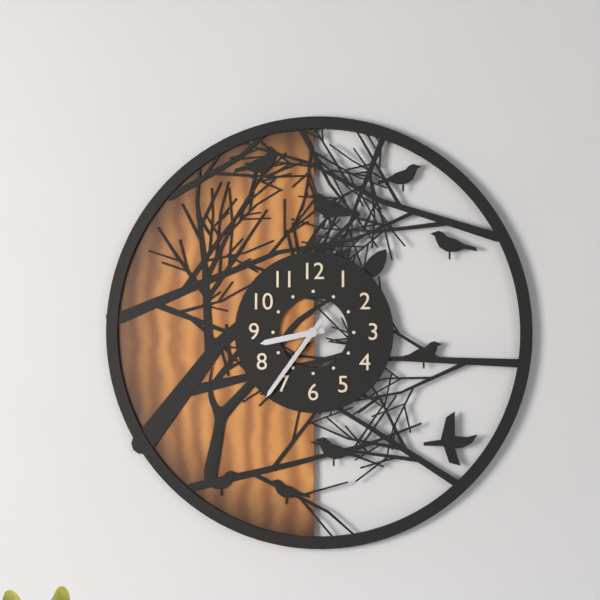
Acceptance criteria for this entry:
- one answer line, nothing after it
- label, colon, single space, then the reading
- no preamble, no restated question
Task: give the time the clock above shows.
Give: 8:36
